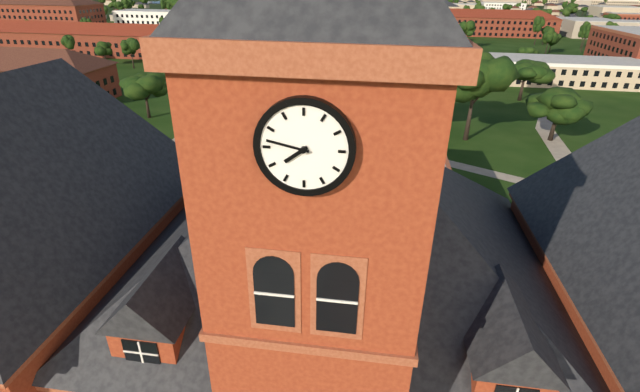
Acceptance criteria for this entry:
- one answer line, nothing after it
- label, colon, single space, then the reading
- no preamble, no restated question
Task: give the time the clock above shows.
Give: 7:47
